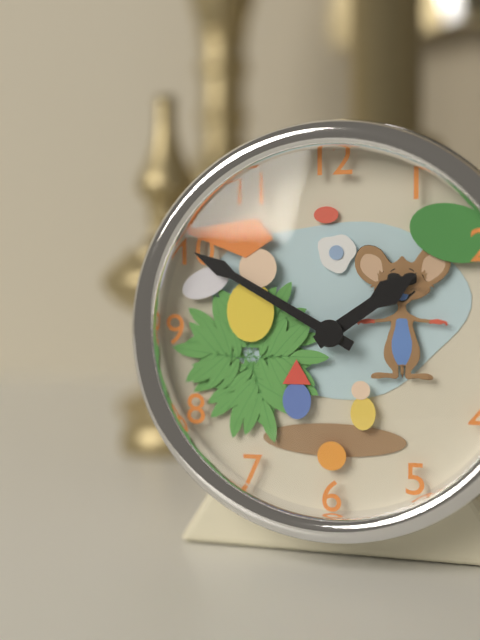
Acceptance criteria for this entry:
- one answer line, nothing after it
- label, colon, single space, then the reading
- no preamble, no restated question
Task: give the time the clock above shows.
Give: 1:50
